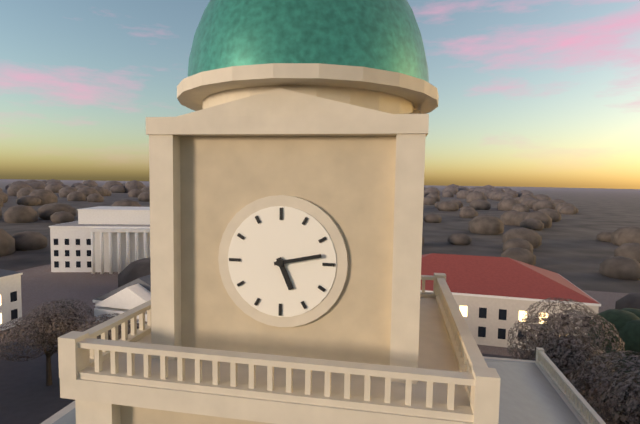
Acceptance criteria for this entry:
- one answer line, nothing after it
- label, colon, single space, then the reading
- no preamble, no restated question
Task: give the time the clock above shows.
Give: 5:13
